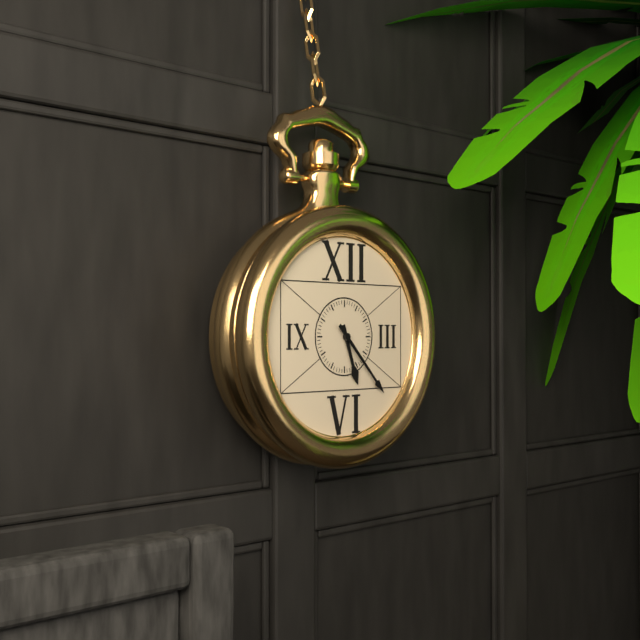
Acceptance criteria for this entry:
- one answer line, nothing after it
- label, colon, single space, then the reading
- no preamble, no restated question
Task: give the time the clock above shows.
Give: 5:23
